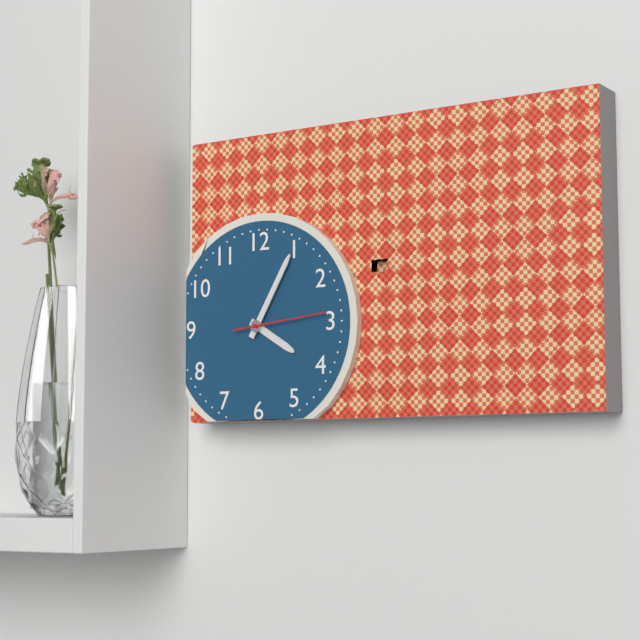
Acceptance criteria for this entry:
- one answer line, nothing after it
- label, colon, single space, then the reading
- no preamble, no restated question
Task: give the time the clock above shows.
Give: 4:05:14
